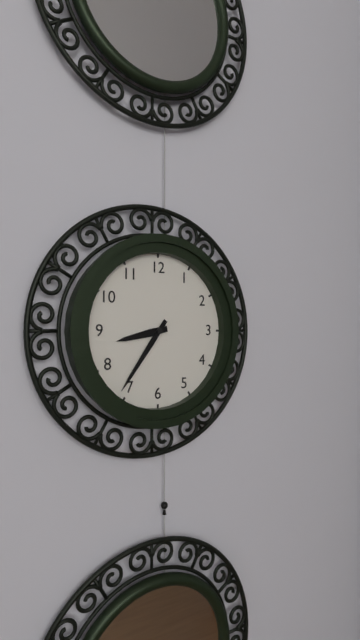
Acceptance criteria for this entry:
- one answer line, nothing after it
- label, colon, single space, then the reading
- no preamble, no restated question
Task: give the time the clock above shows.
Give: 8:36
